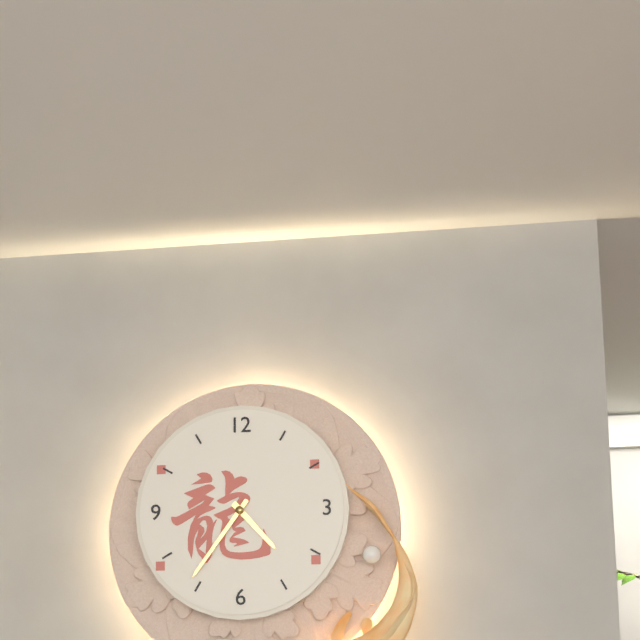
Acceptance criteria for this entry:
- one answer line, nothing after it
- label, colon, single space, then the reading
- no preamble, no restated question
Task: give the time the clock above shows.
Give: 4:36
